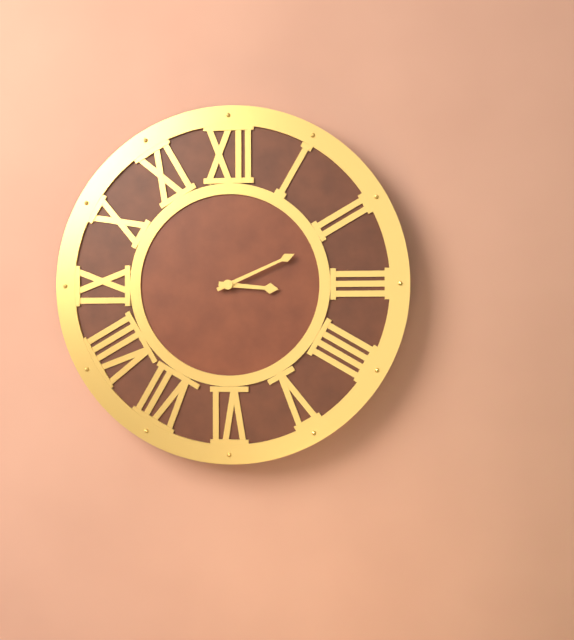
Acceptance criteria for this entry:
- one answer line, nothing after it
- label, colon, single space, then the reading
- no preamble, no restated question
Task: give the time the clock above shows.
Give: 3:11
